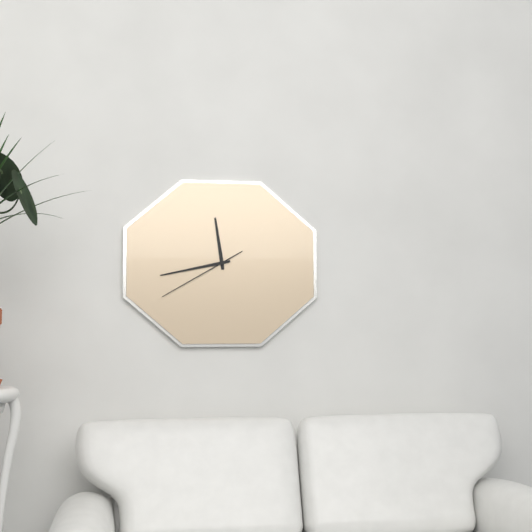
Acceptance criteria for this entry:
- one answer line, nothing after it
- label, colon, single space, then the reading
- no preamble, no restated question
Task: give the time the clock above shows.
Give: 11:43:40
